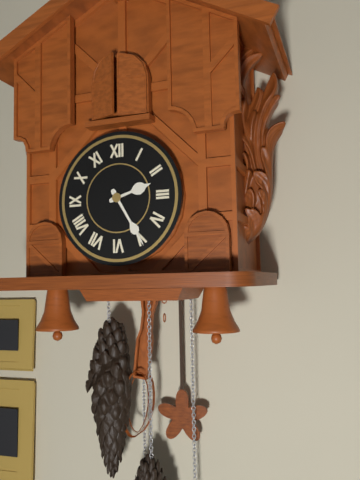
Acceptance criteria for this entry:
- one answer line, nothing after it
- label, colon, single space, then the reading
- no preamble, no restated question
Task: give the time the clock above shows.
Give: 2:25
